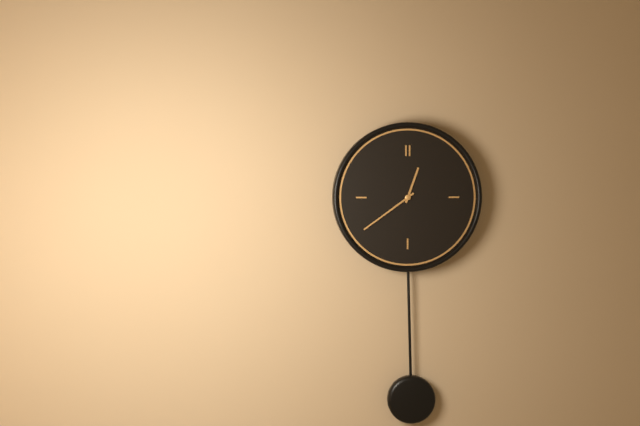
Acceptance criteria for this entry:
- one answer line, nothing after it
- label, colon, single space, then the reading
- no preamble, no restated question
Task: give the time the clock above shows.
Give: 12:39
